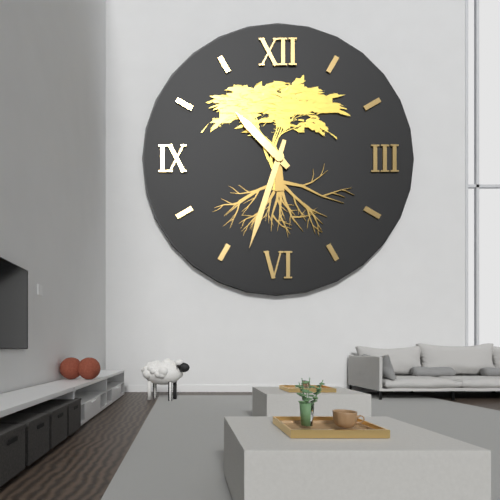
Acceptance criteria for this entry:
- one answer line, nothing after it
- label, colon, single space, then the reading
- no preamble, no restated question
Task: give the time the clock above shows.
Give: 10:33
